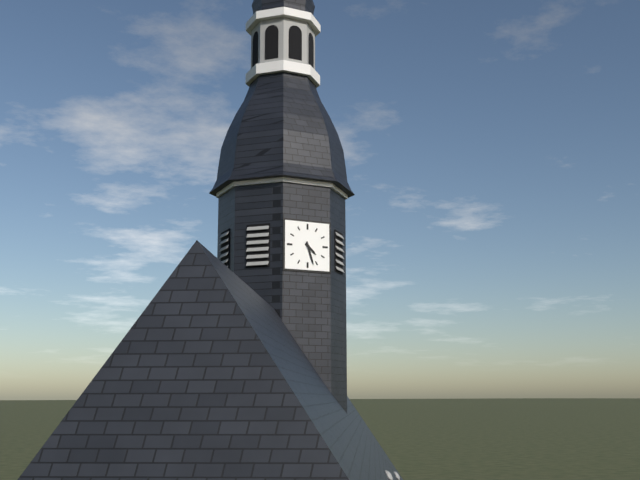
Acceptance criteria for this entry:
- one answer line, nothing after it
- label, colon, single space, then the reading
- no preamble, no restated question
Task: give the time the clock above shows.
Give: 4:27
